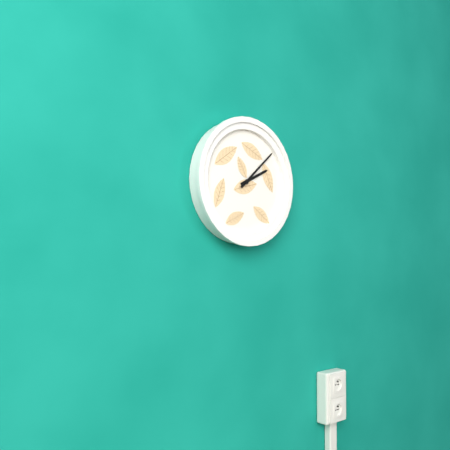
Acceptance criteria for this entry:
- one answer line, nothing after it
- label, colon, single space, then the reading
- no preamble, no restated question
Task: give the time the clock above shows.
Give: 2:08
